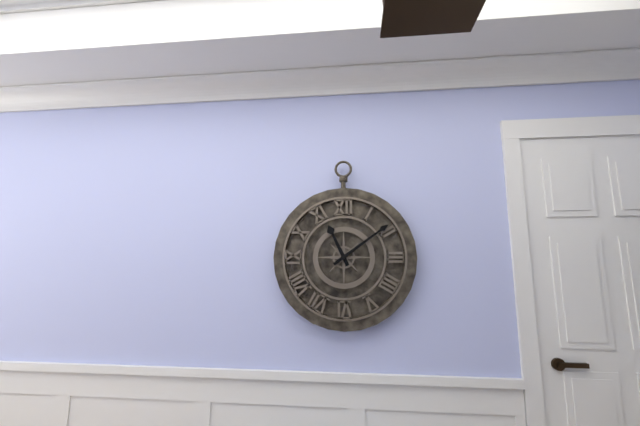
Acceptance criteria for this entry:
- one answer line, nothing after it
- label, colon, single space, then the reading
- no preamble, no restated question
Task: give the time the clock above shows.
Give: 11:09
